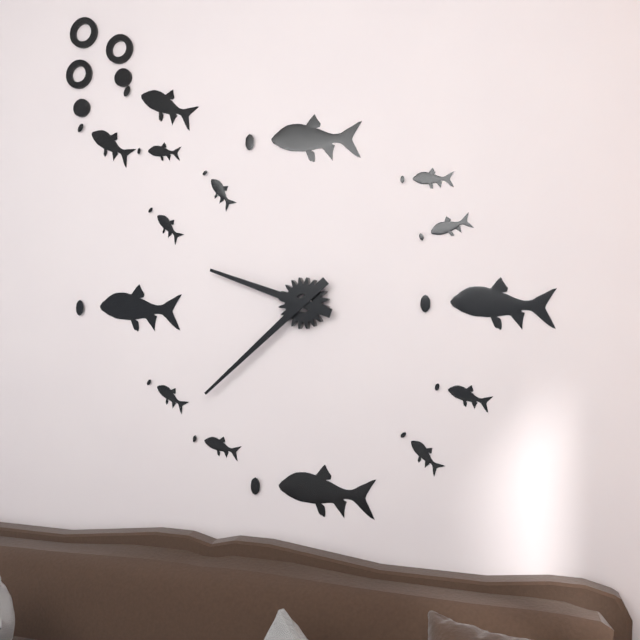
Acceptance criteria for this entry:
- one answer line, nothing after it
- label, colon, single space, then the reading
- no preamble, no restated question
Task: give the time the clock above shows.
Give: 9:38
